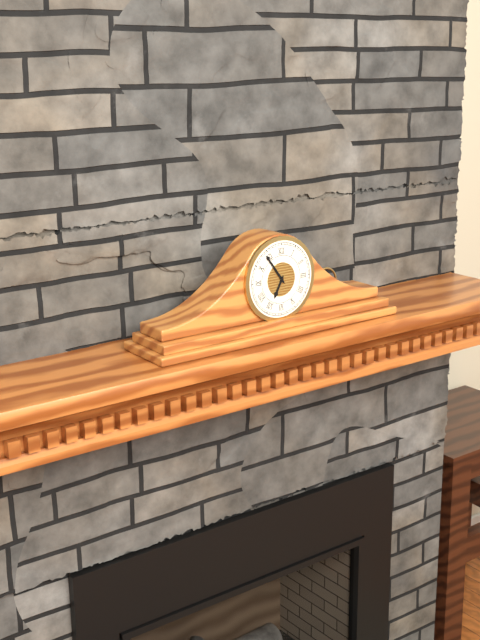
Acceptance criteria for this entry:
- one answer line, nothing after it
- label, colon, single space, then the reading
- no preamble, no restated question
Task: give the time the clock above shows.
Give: 6:54
